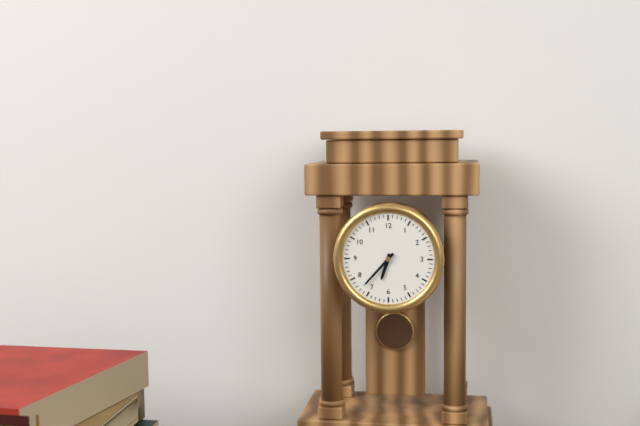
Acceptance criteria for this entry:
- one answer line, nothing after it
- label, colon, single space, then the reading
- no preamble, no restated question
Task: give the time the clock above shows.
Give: 6:37
